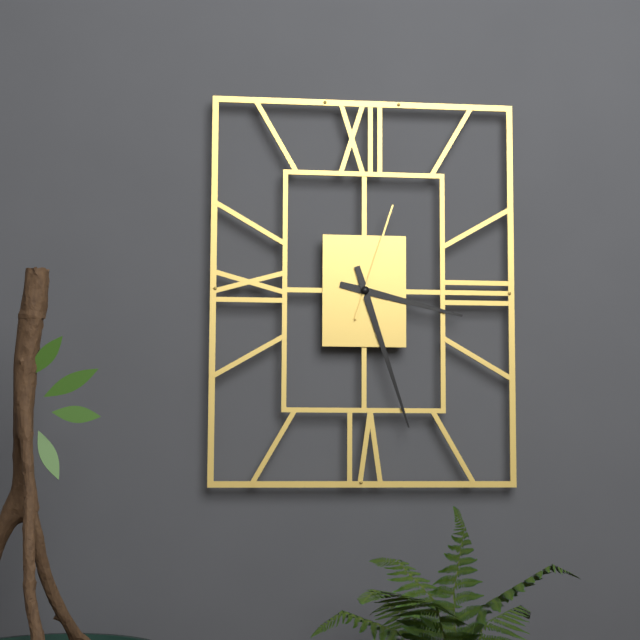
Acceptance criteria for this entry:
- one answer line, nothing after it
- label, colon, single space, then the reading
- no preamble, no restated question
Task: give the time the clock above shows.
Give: 3:27:03
